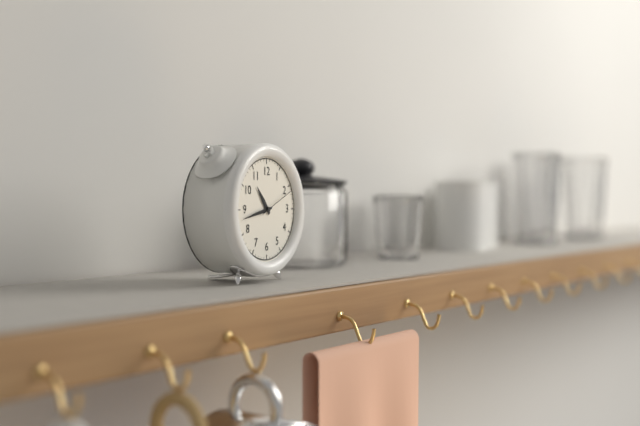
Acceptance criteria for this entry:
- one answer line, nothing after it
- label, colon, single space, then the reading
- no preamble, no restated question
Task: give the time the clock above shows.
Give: 10:43
